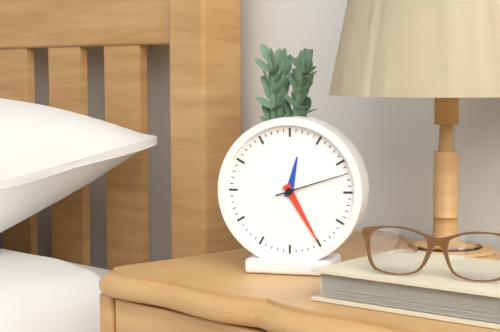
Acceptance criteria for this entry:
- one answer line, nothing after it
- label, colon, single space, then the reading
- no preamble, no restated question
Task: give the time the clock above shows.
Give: 12:25:12
